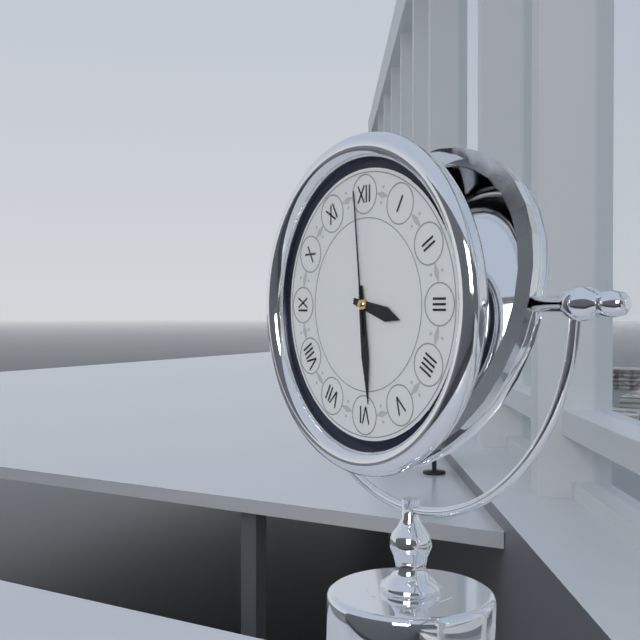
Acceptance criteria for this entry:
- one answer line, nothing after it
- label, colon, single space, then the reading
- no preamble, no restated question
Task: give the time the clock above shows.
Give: 3:29:59
